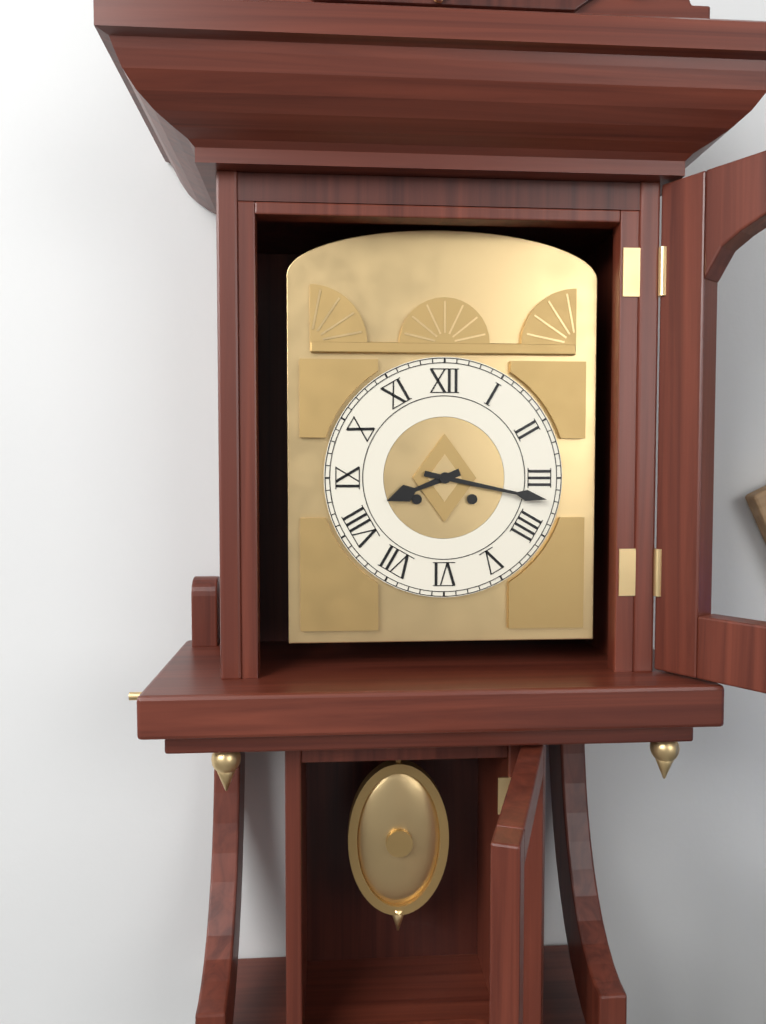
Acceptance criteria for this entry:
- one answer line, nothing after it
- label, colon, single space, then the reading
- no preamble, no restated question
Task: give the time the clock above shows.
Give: 8:17
